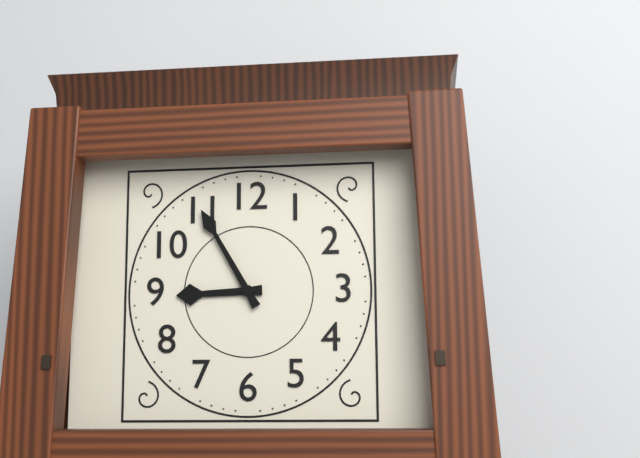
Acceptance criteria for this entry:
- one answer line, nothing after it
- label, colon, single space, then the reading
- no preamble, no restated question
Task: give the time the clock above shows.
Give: 8:55
